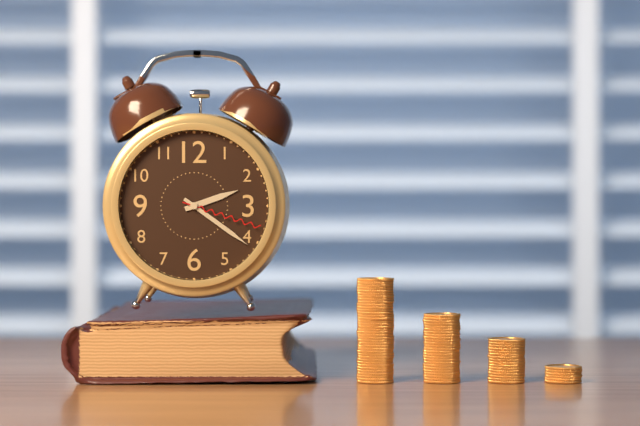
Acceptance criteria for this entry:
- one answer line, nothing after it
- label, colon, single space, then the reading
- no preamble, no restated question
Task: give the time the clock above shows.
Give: 2:21:18
